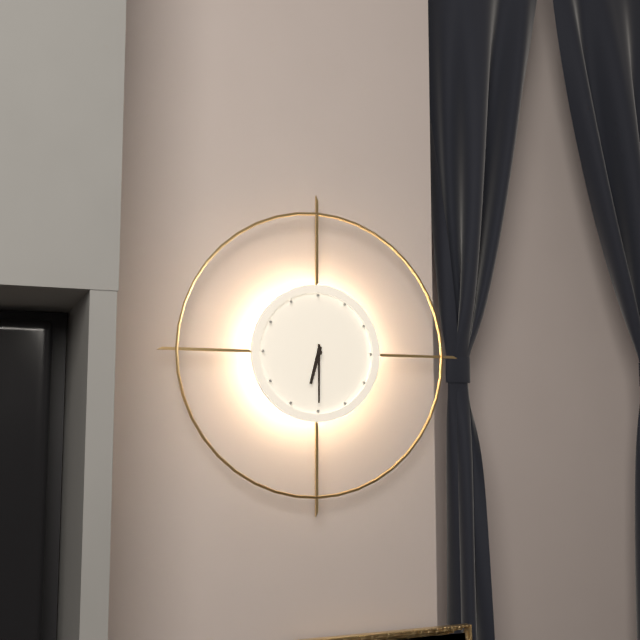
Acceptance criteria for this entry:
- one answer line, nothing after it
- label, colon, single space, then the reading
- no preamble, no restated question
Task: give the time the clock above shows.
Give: 6:30
